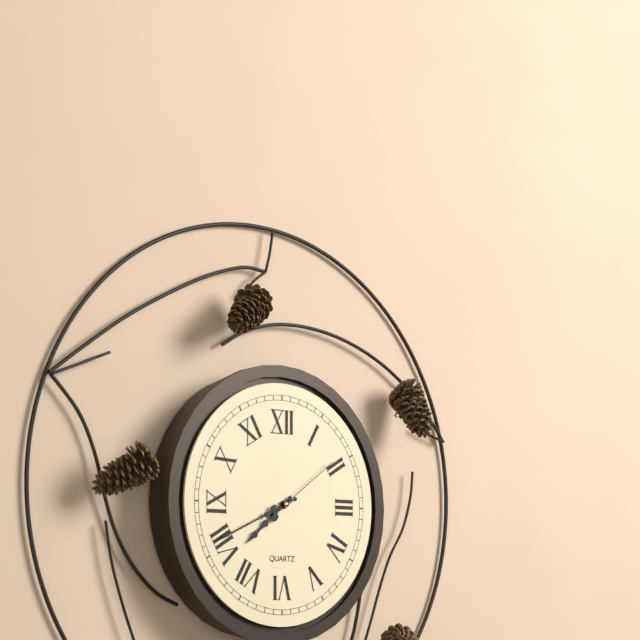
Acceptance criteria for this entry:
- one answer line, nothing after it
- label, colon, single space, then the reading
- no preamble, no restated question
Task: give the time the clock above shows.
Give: 7:41:09
